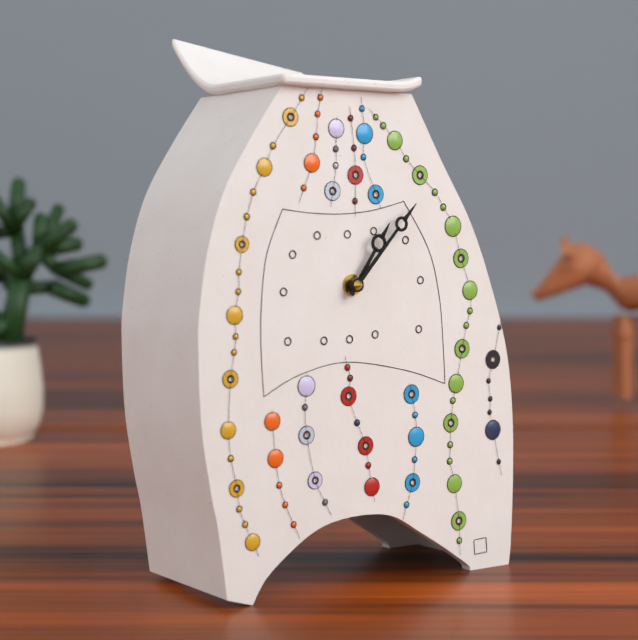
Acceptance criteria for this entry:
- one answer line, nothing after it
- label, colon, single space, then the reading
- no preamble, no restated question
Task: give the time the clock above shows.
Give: 1:07
